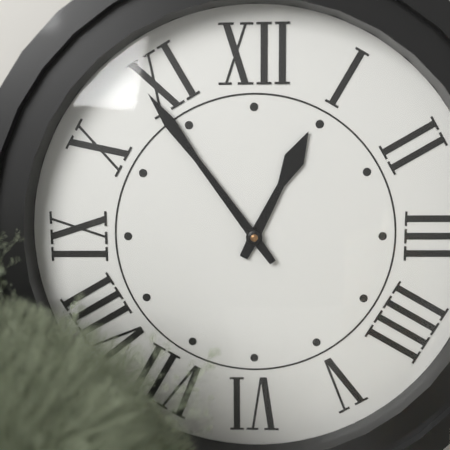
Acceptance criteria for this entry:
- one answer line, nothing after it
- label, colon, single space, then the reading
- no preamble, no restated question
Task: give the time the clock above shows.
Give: 12:54
